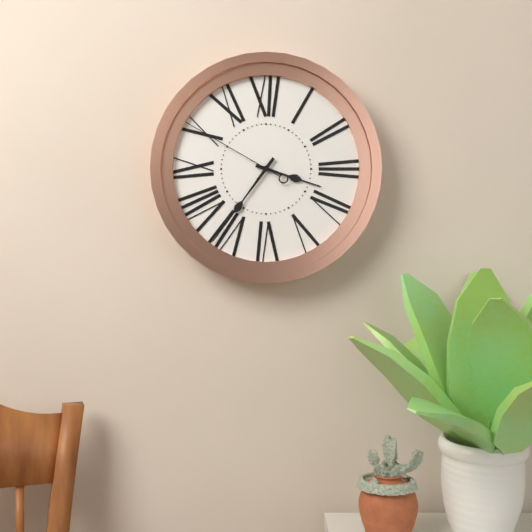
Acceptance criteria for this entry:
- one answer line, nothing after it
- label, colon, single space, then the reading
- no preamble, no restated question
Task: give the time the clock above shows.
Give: 3:36:50
